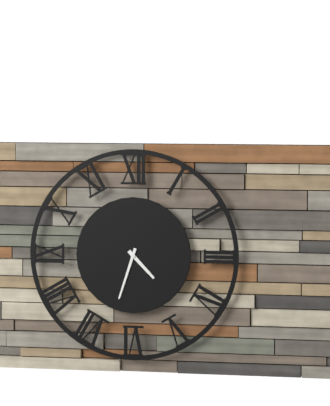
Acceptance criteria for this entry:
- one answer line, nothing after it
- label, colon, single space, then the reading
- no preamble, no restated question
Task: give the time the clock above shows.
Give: 4:33
